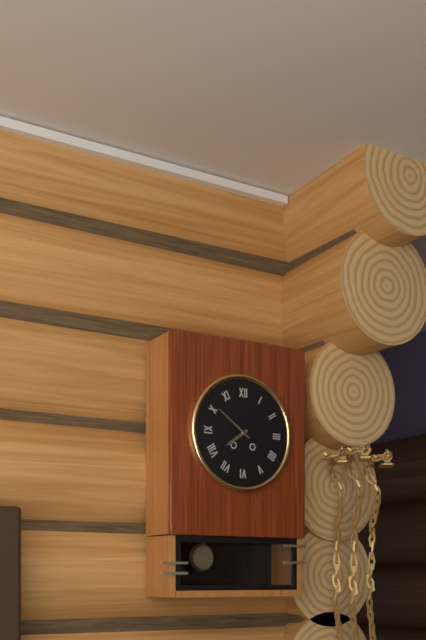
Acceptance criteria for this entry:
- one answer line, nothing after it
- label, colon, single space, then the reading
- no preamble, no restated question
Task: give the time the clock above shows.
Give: 7:51
